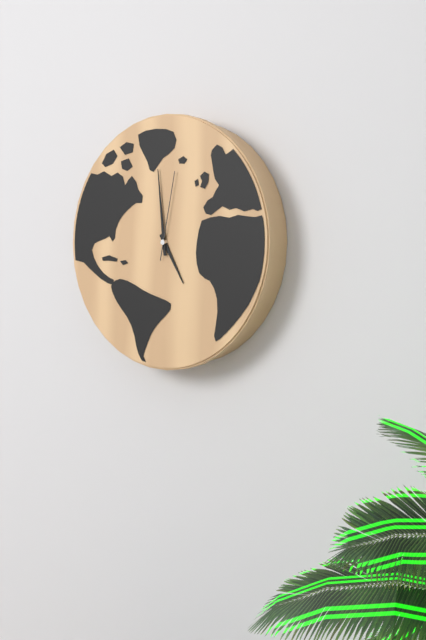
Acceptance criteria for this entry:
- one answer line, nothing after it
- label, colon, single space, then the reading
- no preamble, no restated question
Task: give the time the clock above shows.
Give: 4:59:02
